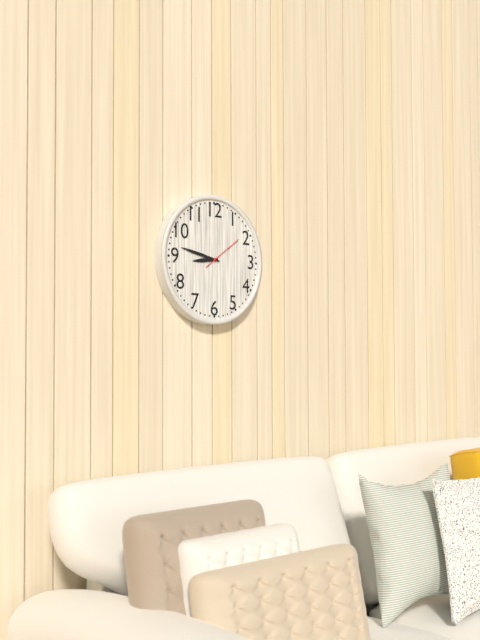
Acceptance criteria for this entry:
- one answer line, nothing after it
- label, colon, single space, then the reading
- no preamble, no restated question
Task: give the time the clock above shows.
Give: 8:47
